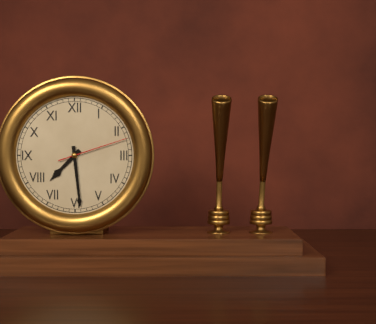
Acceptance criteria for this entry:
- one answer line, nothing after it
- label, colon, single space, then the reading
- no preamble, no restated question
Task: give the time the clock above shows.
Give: 7:29:12
